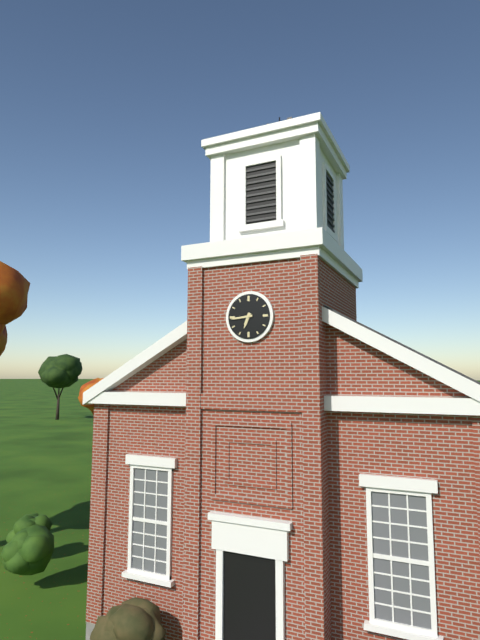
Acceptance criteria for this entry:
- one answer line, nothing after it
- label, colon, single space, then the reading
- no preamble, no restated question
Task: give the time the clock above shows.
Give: 6:44
